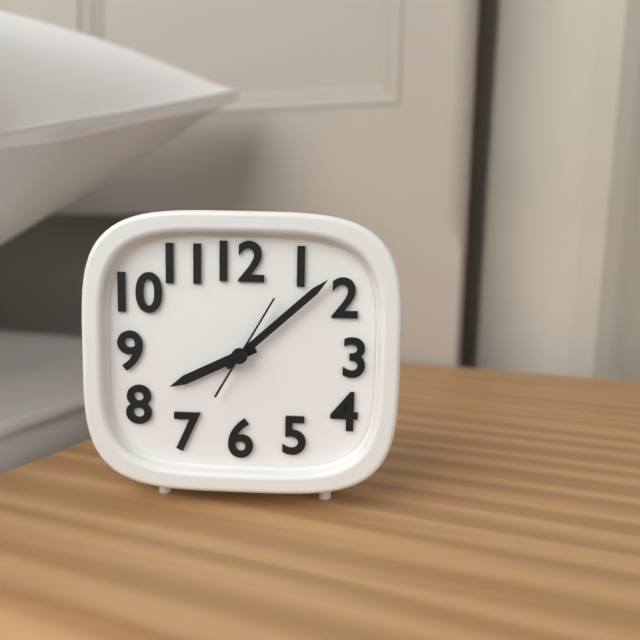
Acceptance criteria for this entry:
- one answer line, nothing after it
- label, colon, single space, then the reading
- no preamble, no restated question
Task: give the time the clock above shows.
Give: 8:08:05
